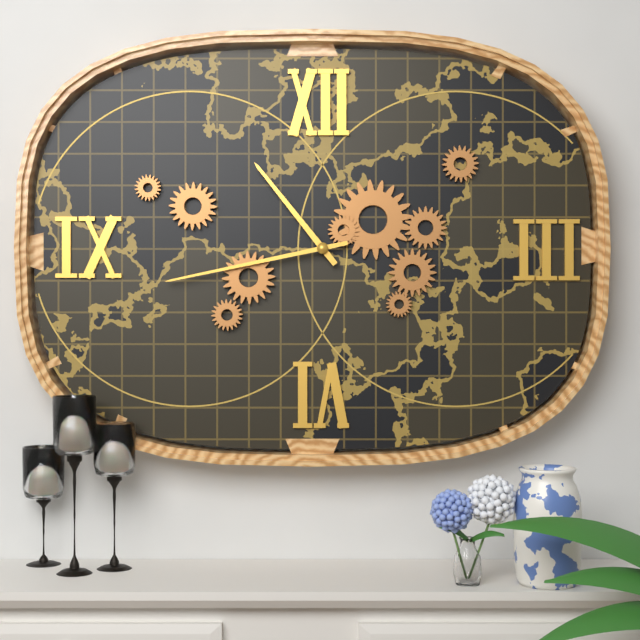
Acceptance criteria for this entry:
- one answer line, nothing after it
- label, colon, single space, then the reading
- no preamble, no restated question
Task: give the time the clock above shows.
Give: 10:43
